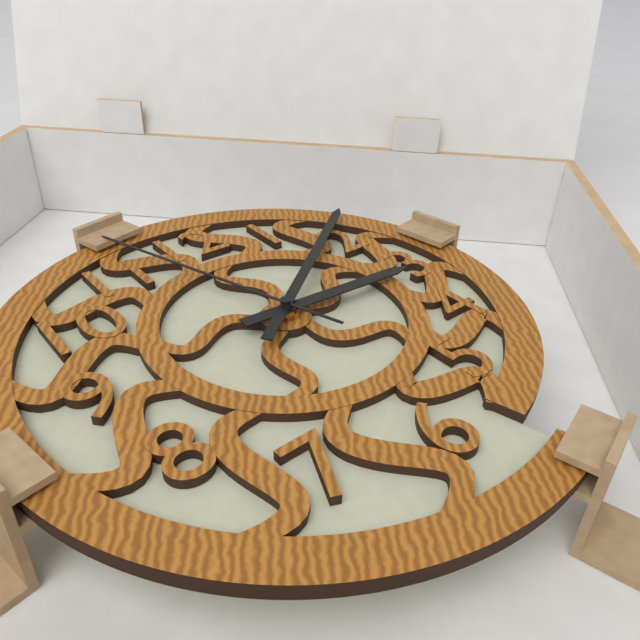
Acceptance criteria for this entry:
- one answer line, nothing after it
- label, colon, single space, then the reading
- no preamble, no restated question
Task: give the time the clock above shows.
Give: 3:09:57
